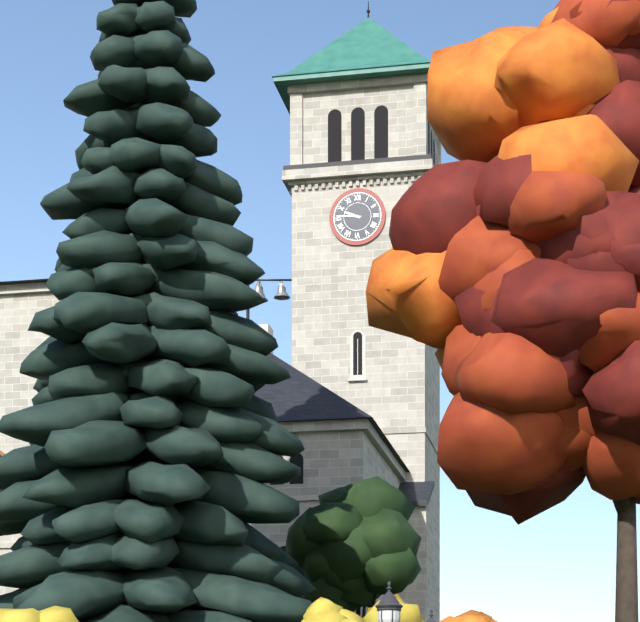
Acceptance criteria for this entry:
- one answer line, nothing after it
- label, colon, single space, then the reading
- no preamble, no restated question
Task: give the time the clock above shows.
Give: 9:46
